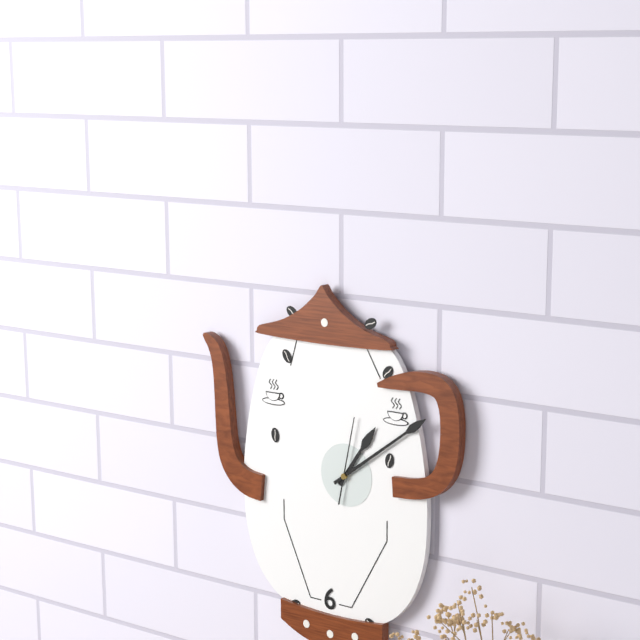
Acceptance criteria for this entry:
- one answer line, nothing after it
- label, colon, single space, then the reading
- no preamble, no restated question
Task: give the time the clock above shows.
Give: 1:09:02
